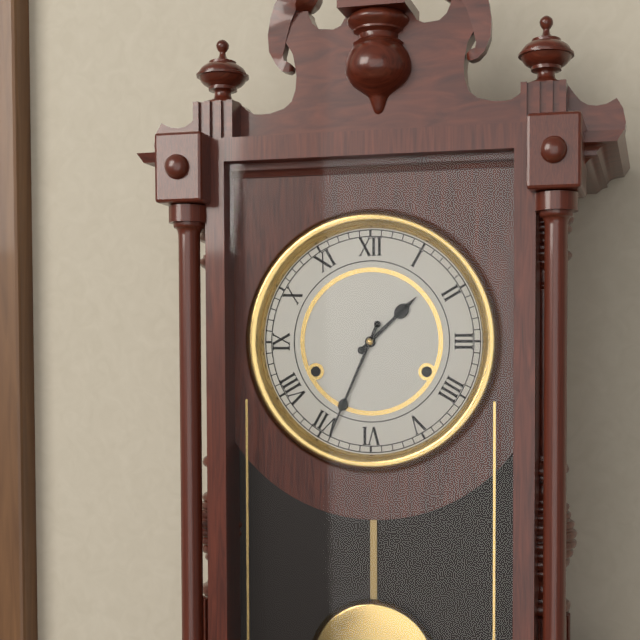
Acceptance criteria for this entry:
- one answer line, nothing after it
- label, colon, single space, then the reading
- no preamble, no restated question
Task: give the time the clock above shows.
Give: 1:34
